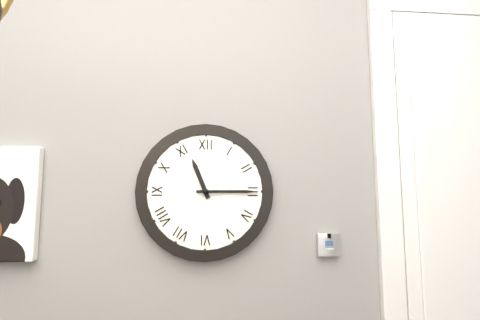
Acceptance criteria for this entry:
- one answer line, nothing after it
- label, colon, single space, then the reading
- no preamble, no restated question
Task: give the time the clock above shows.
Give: 11:15
